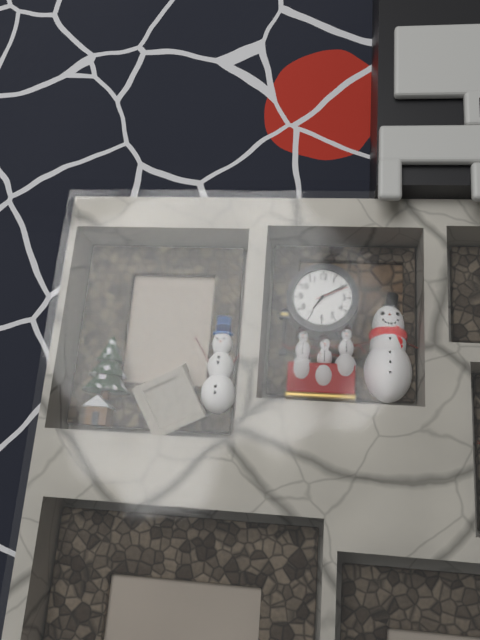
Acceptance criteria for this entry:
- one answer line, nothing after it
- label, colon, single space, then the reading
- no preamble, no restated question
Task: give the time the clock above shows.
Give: 7:10
